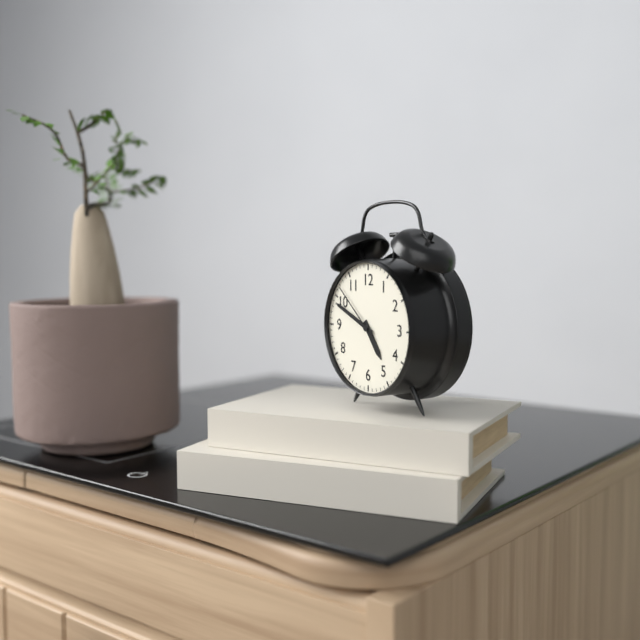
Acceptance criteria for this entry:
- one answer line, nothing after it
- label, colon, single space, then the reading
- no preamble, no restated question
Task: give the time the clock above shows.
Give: 4:49:52
